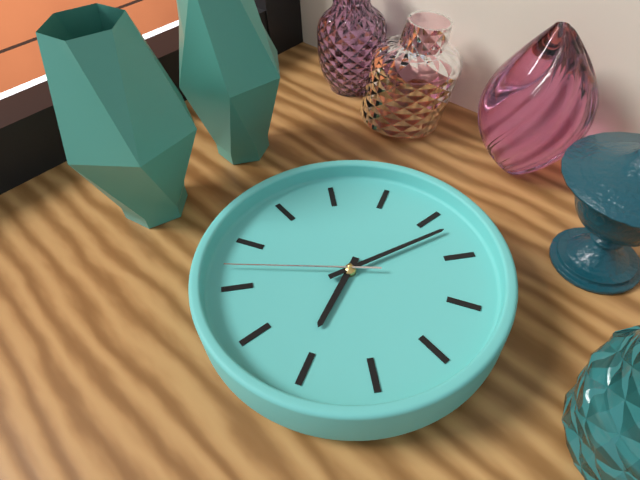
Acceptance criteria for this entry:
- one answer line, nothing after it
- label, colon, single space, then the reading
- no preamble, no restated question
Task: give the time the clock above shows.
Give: 6:07:42
